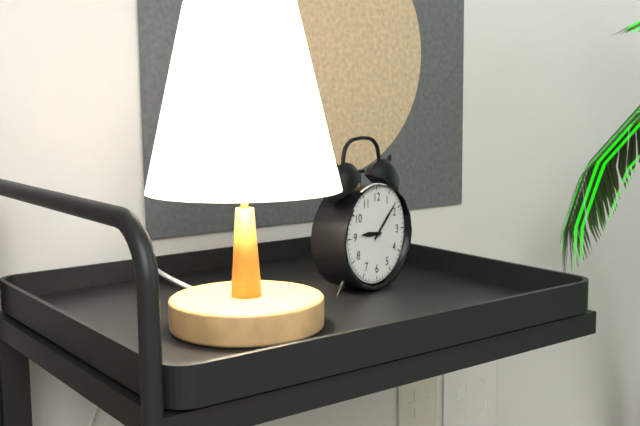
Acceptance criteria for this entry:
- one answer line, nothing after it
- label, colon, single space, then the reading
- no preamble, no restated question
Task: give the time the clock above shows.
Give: 9:08
